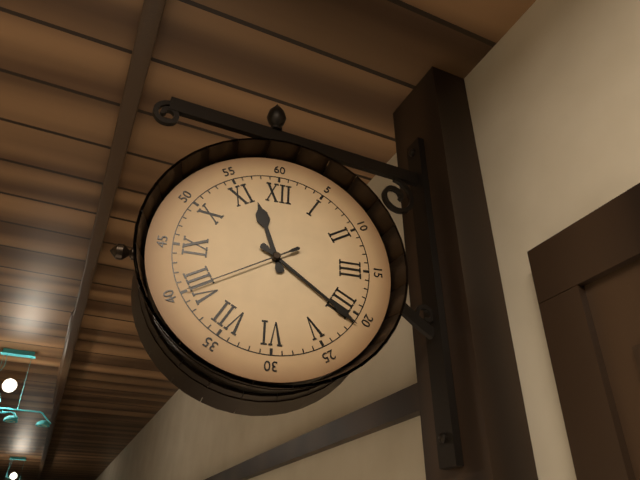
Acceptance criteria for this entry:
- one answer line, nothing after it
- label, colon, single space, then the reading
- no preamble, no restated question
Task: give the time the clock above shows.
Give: 11:21:40
